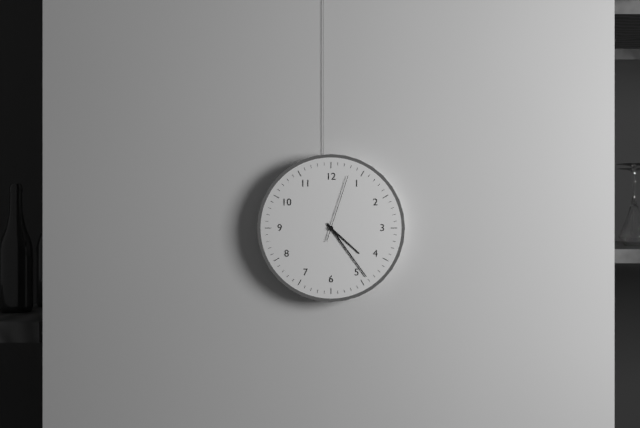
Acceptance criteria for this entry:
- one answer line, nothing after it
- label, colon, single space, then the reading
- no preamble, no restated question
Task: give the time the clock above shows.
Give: 4:24:03
